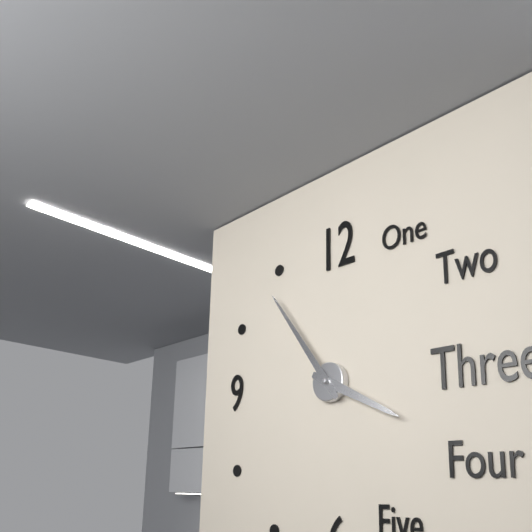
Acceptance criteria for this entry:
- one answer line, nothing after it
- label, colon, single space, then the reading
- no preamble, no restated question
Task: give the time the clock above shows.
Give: 3:54
